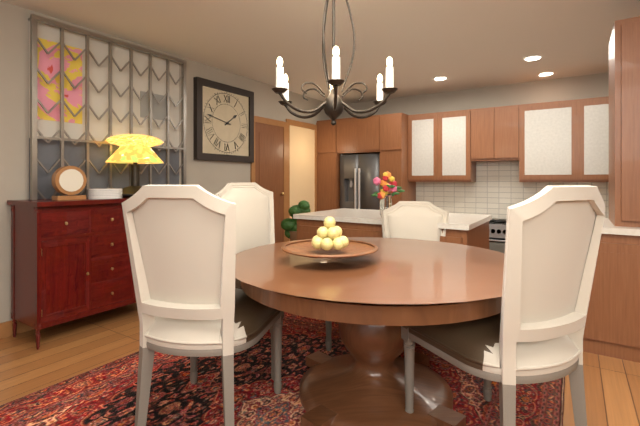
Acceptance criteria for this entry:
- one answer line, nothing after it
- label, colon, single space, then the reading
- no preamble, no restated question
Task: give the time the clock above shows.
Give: 1:47
